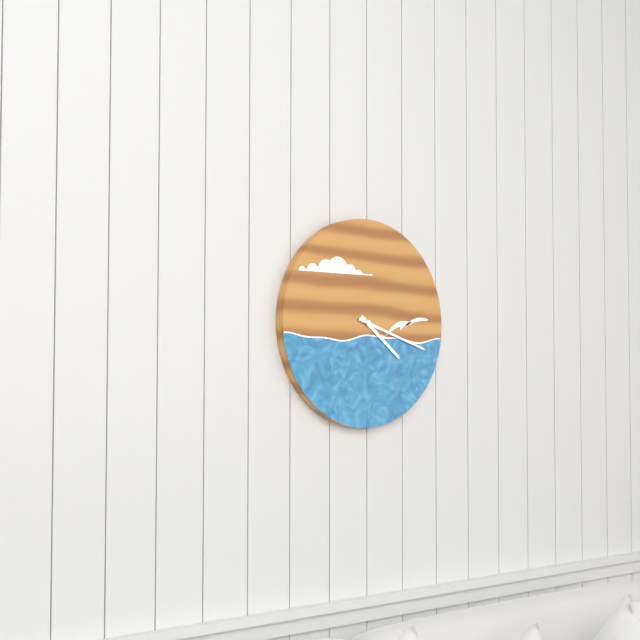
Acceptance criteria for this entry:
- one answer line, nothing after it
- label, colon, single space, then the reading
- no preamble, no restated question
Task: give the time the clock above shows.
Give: 4:18
